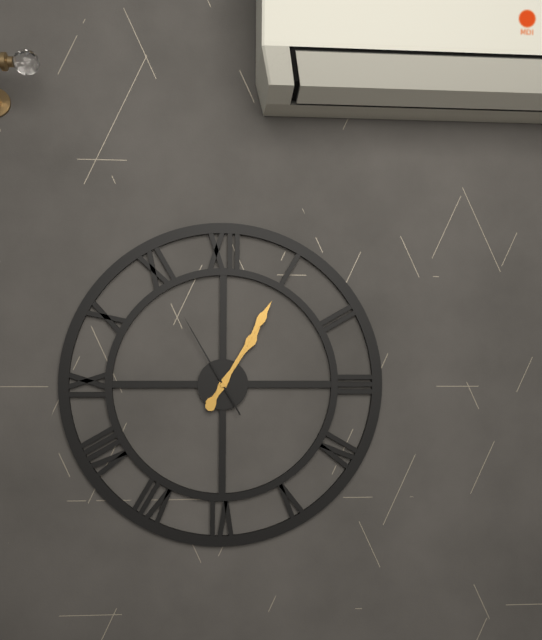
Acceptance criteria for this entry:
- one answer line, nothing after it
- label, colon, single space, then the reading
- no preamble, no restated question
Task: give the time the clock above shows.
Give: 1:05:55
